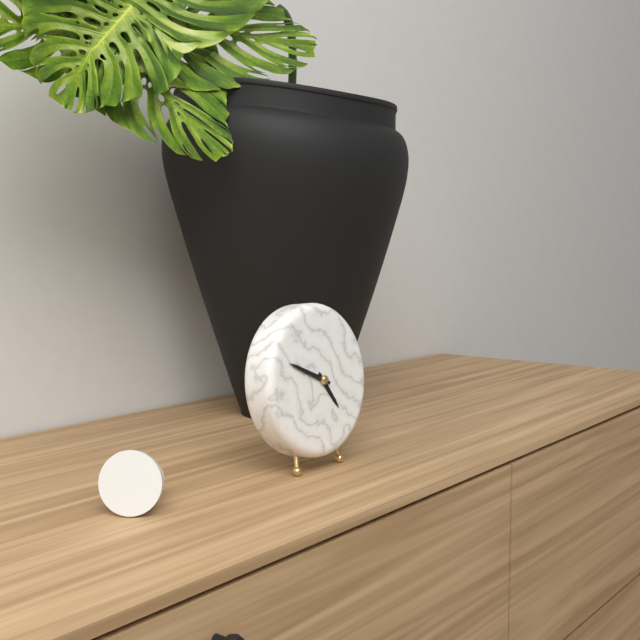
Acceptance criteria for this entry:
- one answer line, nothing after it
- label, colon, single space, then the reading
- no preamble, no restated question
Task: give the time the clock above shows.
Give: 4:49
